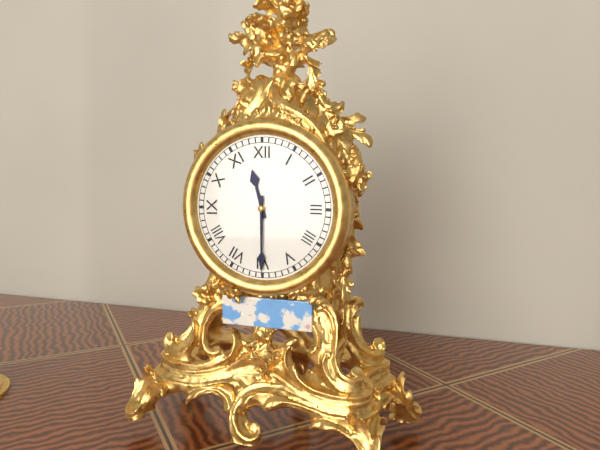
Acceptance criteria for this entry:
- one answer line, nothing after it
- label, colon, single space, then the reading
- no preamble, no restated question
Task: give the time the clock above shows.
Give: 11:30
